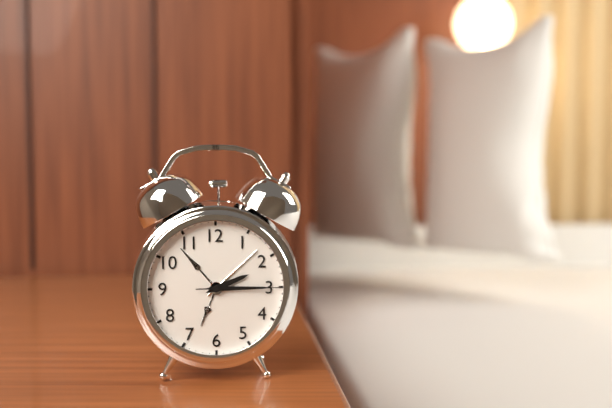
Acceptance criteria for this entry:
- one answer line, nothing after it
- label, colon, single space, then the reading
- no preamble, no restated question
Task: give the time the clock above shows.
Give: 2:15:15
